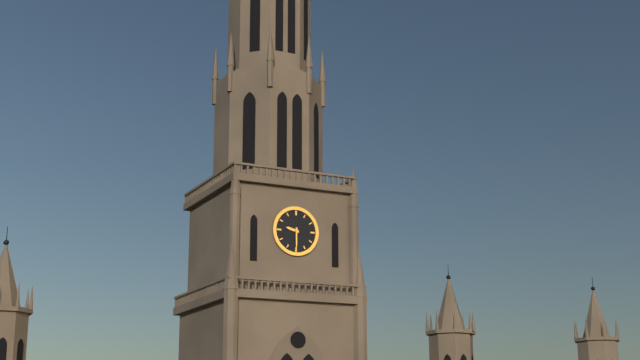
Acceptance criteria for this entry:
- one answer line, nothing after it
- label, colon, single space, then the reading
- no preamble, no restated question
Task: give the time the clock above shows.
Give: 9:30
